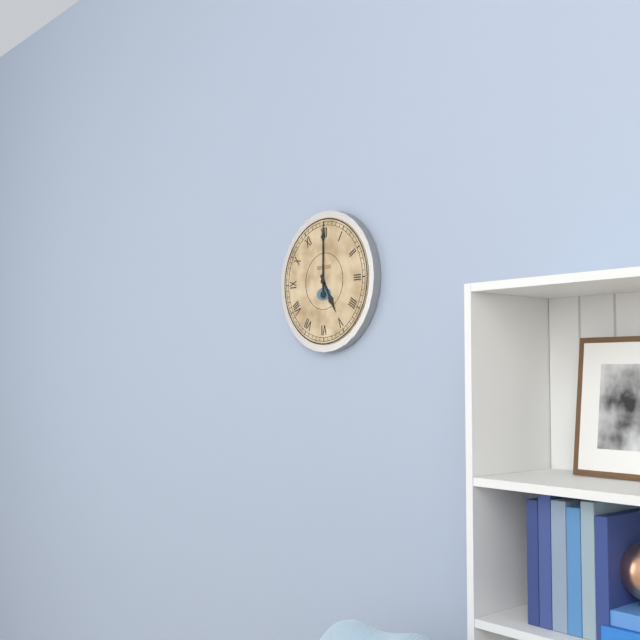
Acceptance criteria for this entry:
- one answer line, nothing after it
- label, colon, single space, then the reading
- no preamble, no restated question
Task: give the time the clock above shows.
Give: 5:00
